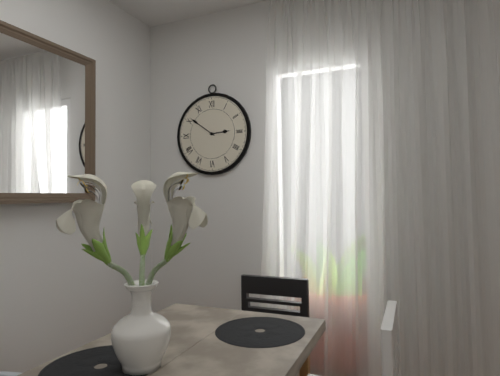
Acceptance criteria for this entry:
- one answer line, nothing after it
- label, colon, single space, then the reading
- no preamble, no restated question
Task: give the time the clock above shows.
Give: 2:51
